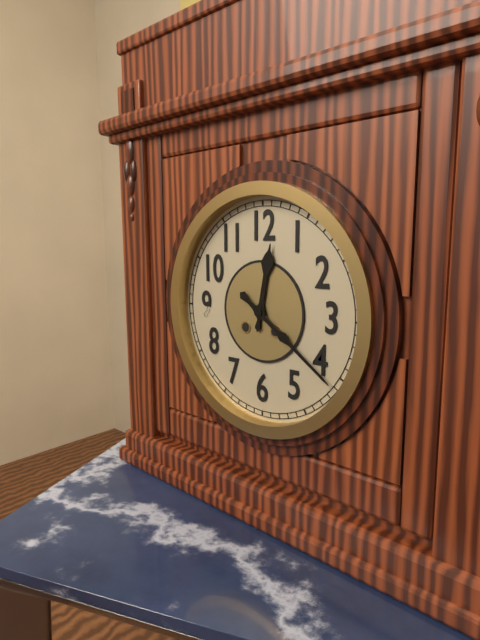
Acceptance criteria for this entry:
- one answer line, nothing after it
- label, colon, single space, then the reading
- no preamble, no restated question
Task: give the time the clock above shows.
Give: 12:21
